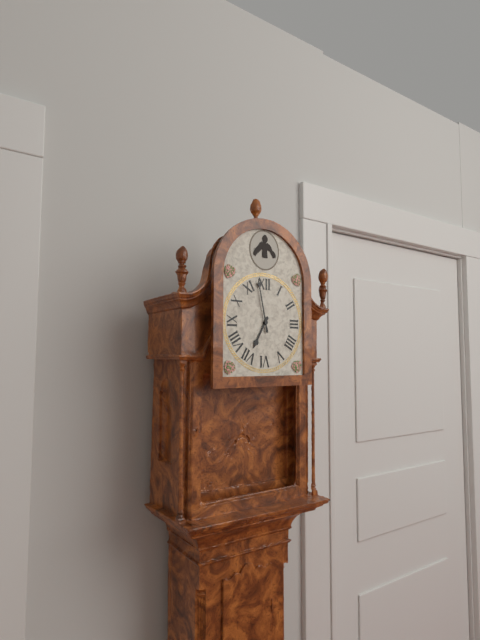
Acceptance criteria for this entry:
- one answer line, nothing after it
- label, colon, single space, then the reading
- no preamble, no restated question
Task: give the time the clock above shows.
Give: 6:58
